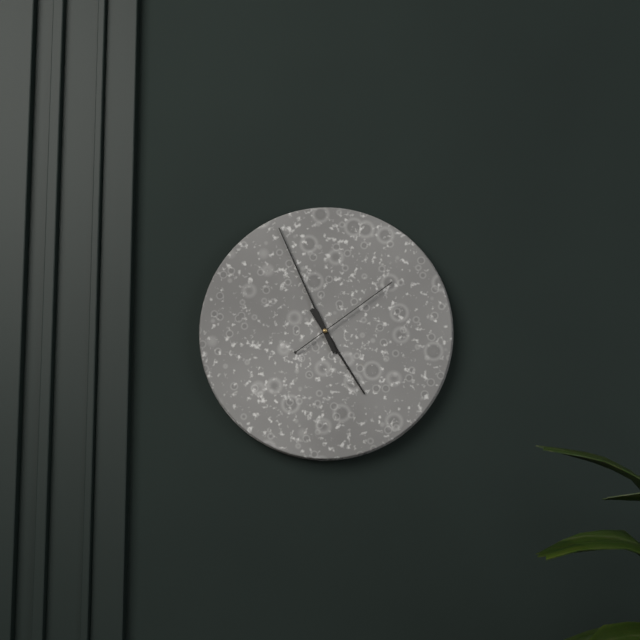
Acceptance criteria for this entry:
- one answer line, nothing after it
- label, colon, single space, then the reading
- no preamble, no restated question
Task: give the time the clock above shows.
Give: 4:56:09
